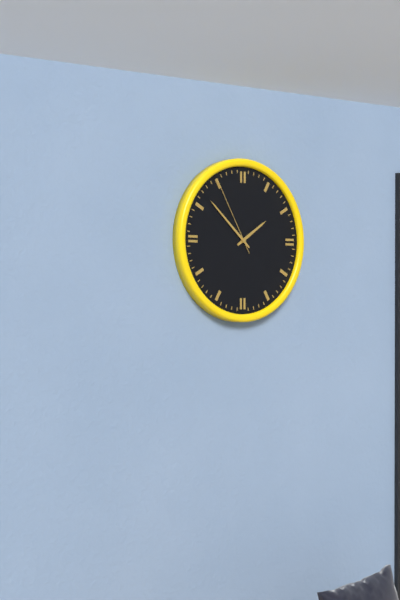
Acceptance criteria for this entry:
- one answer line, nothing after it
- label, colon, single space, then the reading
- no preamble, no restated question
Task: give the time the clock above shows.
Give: 1:52:55
